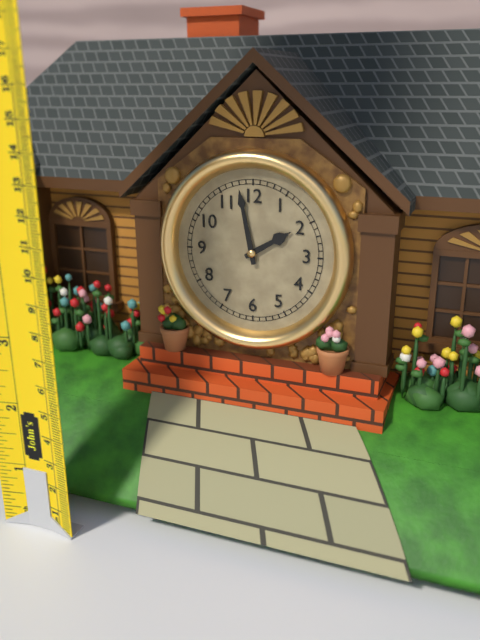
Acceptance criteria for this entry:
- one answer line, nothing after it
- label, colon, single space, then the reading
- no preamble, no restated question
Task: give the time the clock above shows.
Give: 1:58
